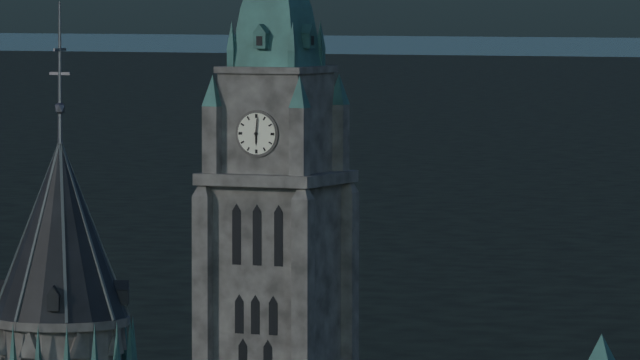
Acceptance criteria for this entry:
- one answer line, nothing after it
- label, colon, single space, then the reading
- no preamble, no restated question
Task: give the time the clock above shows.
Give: 6:01
